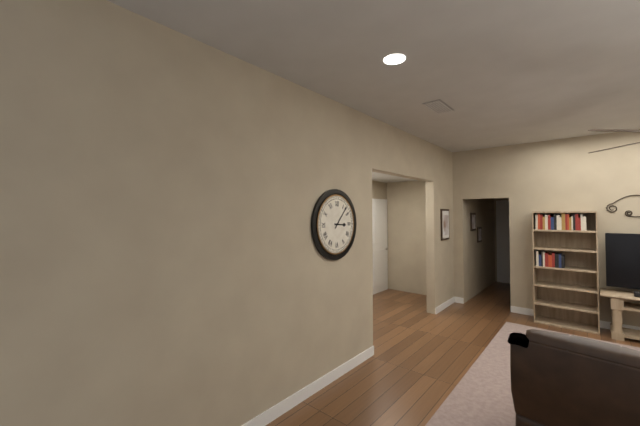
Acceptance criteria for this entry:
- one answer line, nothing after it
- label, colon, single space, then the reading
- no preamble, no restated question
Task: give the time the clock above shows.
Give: 3:07
